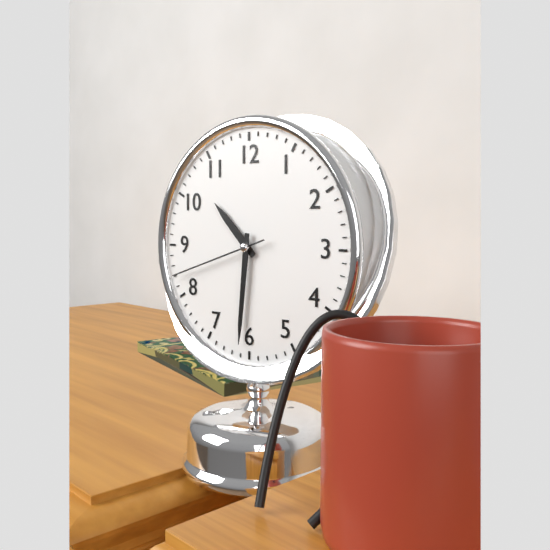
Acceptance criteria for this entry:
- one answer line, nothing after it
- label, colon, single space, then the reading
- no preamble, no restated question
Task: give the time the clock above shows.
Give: 10:31:42
